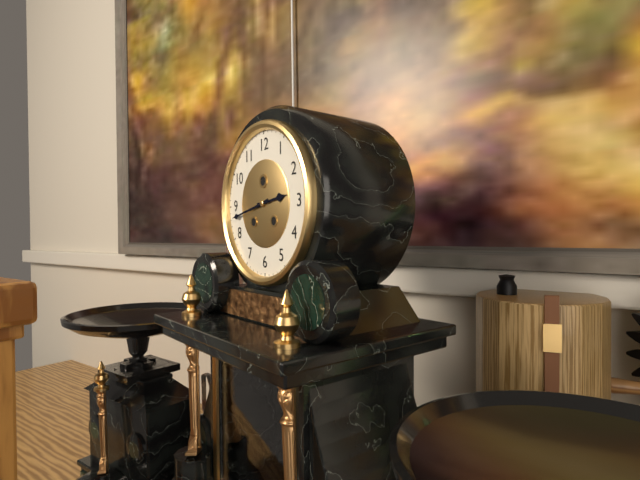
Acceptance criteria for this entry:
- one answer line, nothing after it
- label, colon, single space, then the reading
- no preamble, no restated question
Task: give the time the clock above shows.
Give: 2:43
